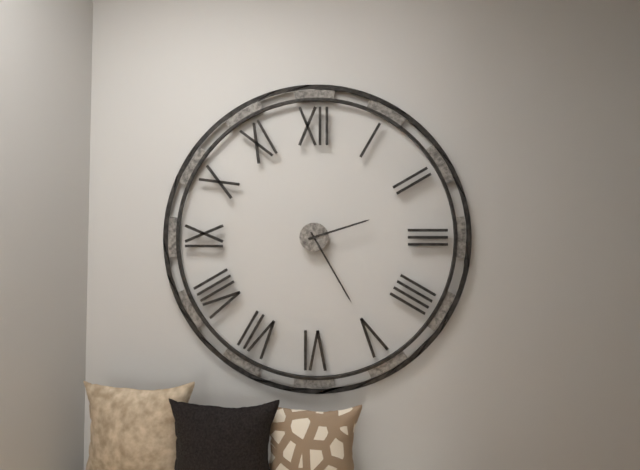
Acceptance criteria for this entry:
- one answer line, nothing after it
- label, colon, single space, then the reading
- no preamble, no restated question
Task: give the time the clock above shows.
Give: 2:25
